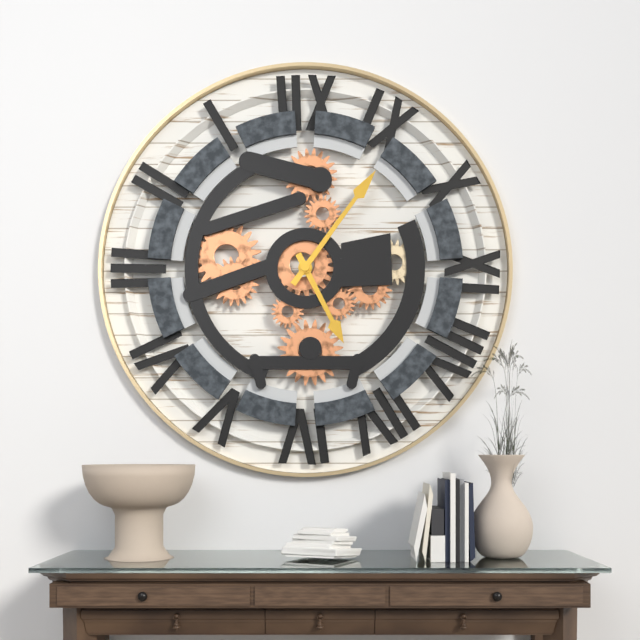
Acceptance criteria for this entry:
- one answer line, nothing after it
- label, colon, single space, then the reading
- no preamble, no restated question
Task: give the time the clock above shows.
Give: 5:06
